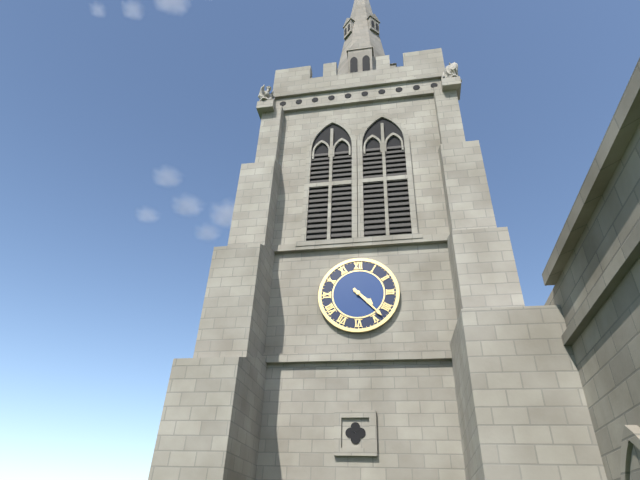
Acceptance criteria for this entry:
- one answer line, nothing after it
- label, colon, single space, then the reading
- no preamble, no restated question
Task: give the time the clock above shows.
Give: 4:23
